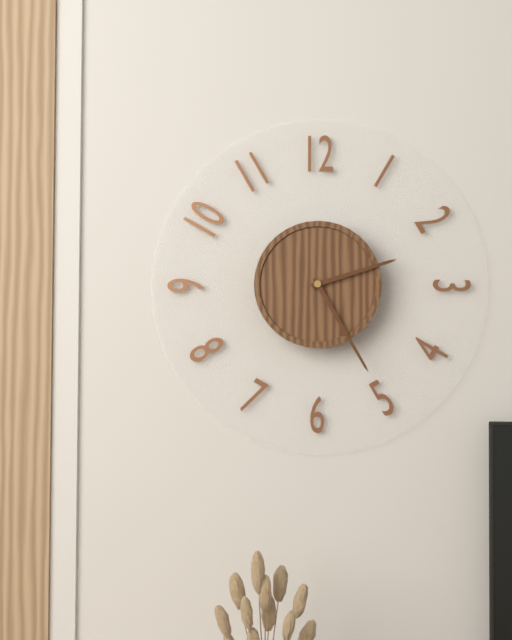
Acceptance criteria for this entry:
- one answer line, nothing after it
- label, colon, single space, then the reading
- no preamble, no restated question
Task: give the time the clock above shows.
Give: 2:25
